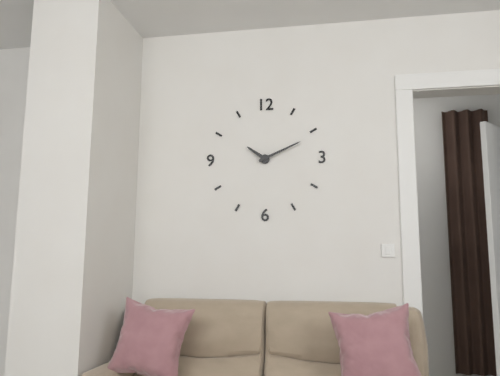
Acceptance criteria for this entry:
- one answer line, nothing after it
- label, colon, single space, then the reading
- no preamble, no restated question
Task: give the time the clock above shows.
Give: 10:11
